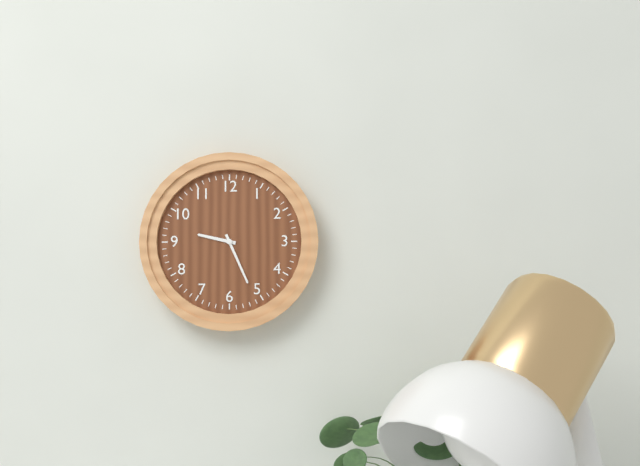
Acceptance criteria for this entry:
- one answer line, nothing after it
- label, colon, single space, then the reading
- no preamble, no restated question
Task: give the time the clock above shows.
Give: 9:26
